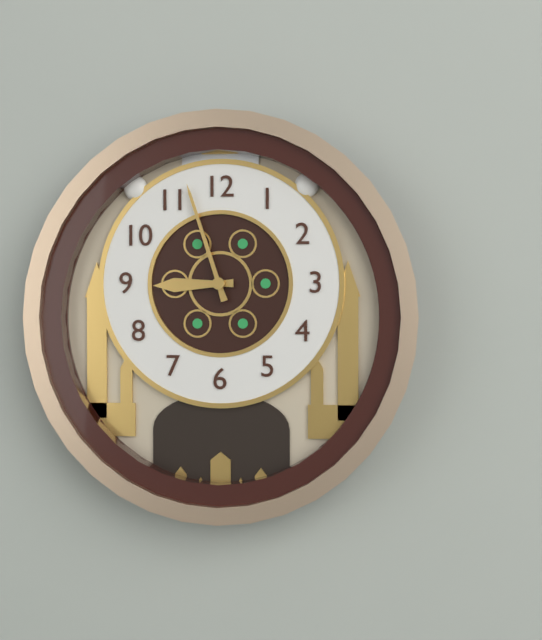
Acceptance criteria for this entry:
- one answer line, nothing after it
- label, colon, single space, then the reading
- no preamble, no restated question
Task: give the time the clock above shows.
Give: 8:57
